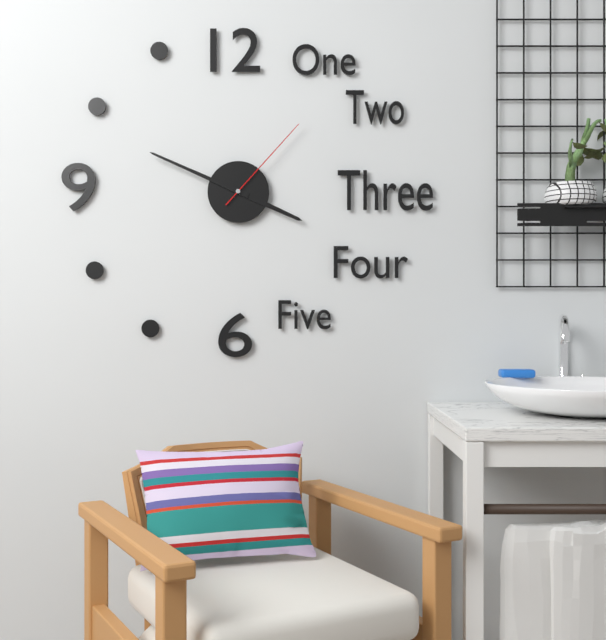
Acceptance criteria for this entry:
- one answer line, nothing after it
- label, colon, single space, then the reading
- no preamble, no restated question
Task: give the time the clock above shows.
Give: 3:49:07
